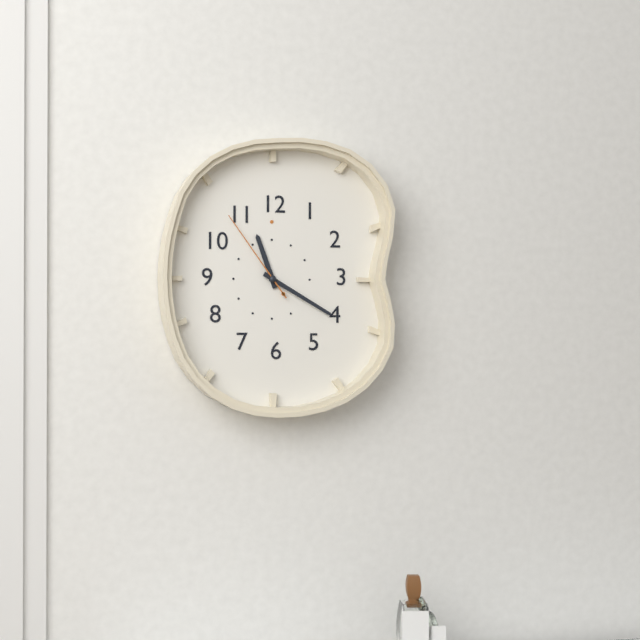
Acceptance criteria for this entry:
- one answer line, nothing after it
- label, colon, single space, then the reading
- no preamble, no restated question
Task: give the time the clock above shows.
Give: 11:20:54
